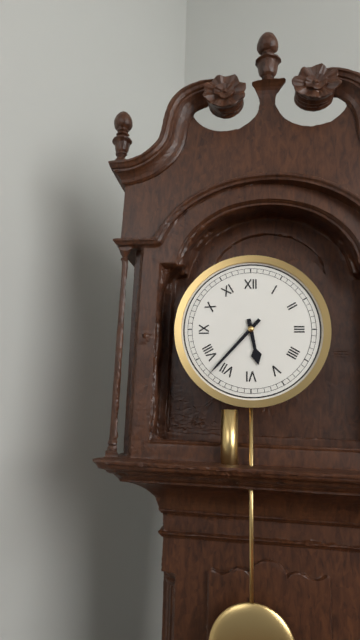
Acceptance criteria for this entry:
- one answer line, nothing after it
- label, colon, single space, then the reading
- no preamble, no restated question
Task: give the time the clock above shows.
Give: 5:37
